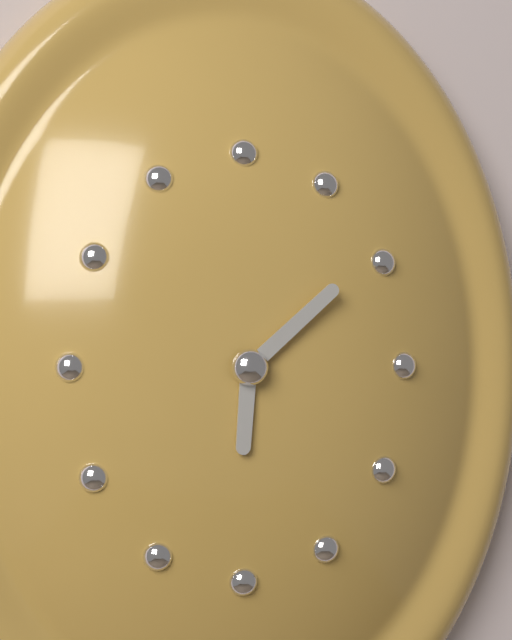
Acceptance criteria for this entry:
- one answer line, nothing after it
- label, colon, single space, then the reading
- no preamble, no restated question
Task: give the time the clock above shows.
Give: 6:08
